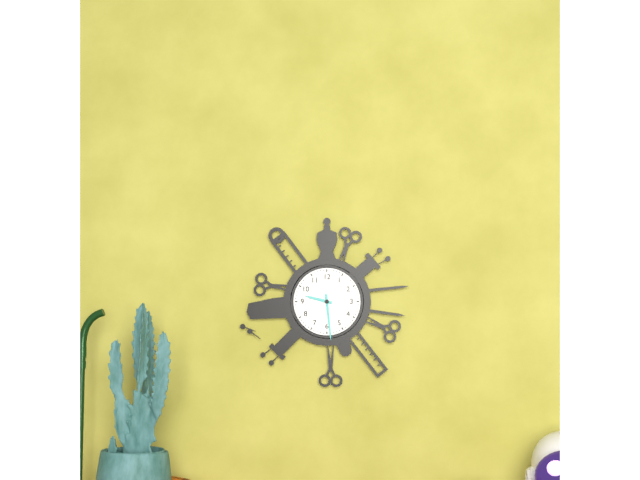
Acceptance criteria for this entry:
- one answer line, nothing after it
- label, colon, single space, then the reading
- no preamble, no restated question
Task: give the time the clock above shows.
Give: 9:29
